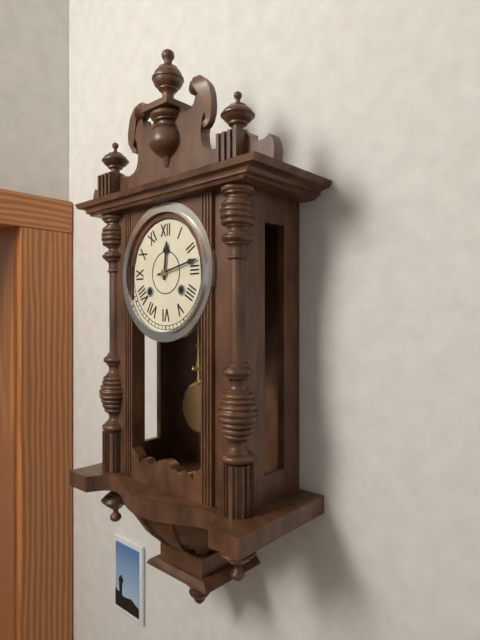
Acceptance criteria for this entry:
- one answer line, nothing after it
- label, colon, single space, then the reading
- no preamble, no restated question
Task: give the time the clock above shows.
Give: 12:13
